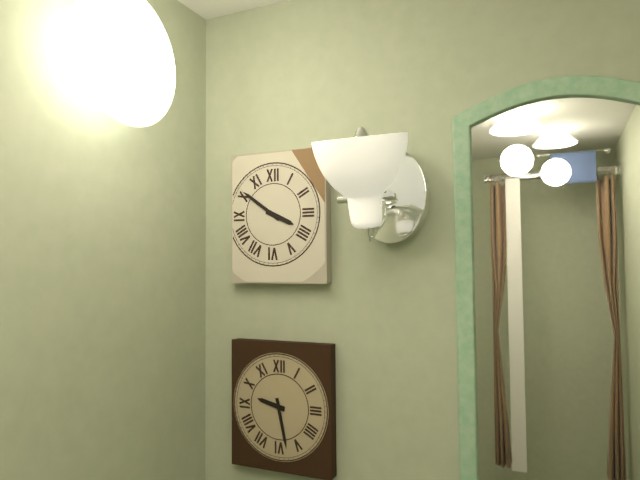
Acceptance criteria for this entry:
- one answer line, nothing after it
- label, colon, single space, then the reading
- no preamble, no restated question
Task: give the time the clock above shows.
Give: 3:51
